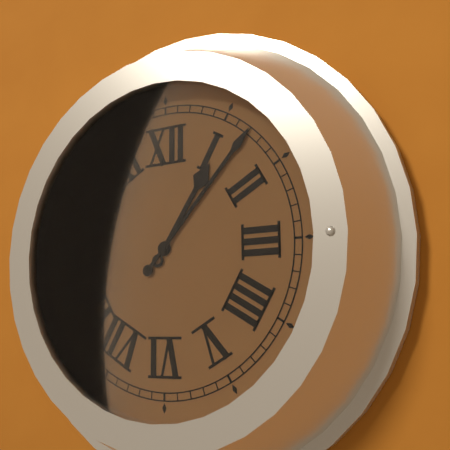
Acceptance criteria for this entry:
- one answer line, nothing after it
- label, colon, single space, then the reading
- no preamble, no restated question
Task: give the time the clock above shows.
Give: 1:07
